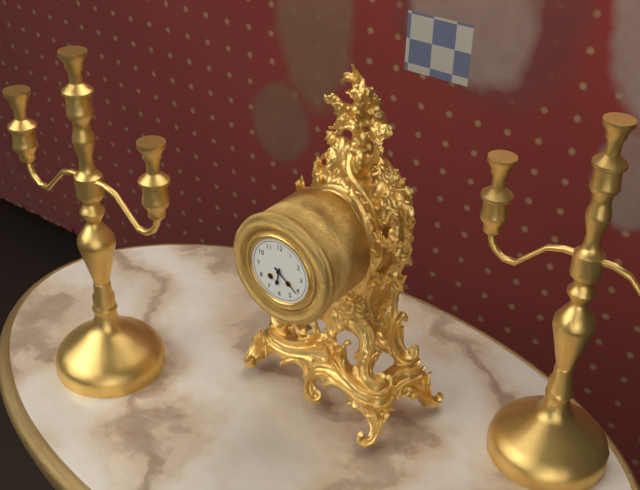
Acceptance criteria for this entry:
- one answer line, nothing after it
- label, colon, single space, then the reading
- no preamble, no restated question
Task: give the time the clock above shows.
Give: 6:21
